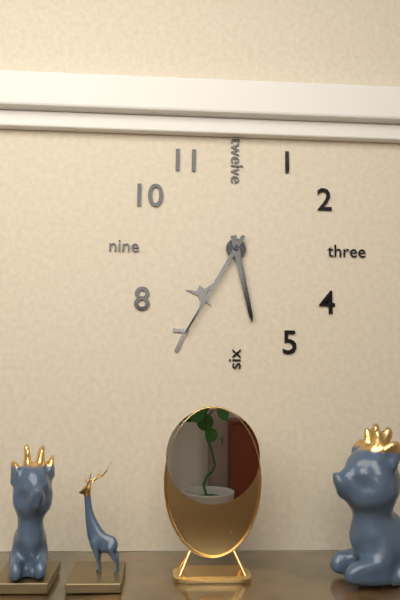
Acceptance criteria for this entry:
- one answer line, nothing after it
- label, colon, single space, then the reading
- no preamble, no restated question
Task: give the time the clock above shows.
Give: 5:35
